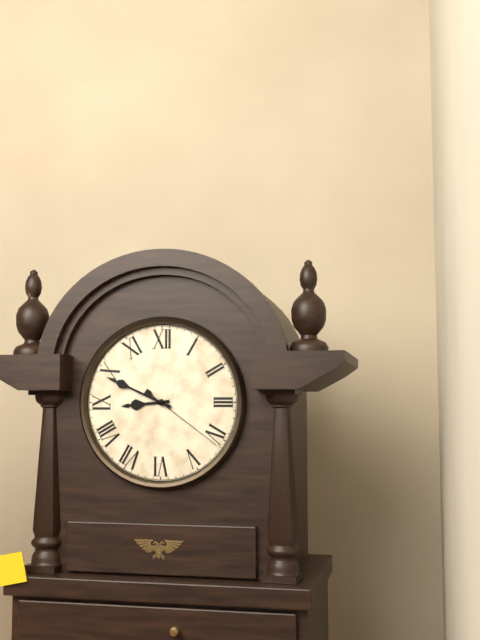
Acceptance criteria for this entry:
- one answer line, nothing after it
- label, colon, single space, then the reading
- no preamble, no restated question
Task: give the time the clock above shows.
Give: 8:49:21
